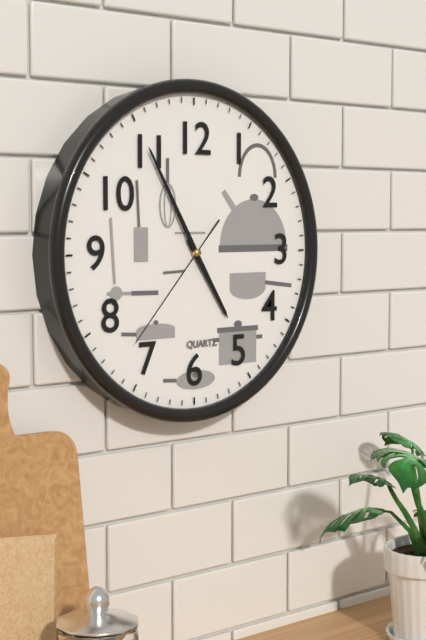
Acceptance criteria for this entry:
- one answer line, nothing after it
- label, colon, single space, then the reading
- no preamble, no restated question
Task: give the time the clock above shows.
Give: 4:55:37
